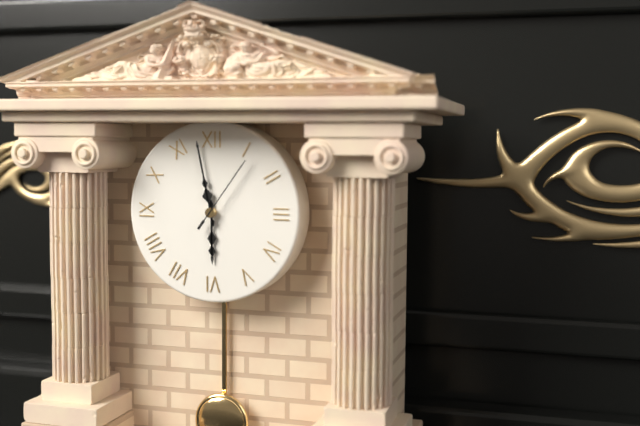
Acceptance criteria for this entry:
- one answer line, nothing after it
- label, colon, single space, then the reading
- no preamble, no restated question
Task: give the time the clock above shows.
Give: 5:58:06
